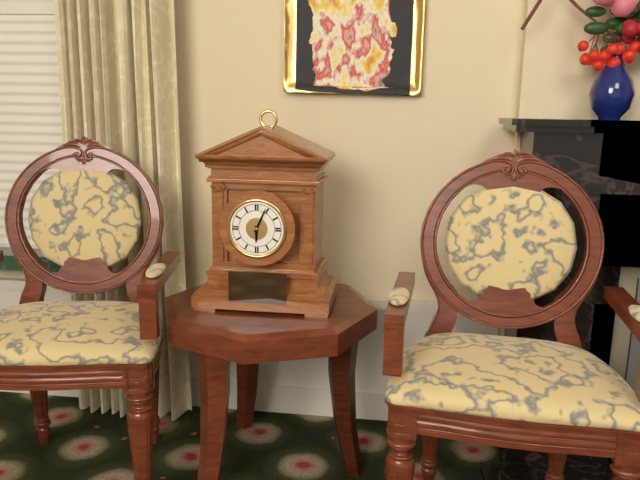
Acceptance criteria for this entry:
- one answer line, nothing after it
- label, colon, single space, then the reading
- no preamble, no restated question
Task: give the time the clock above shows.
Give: 6:04
